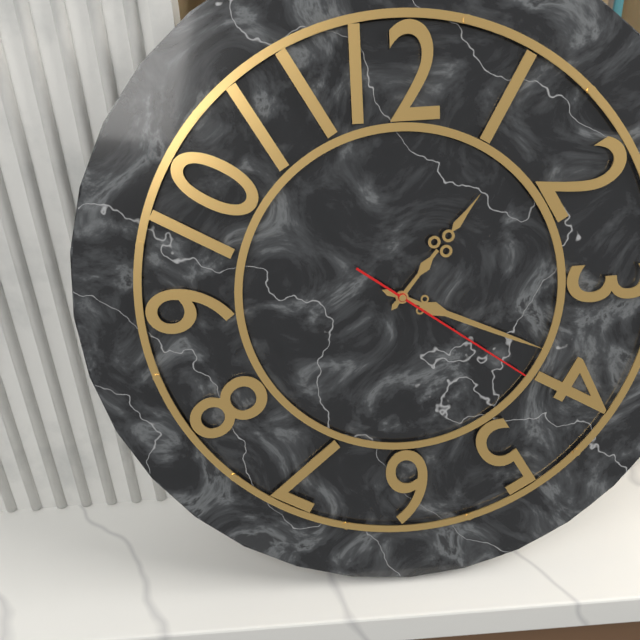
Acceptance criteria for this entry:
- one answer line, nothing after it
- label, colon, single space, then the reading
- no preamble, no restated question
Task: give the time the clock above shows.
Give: 1:19:21
